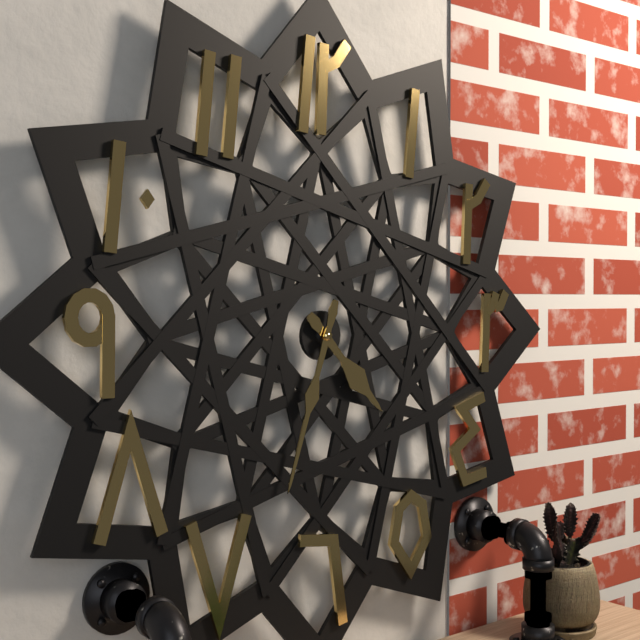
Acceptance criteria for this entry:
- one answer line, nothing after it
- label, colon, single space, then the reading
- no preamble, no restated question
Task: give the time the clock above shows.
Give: 4:33
